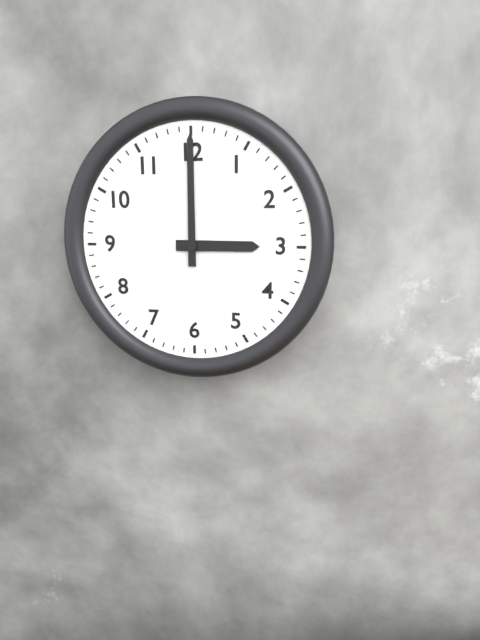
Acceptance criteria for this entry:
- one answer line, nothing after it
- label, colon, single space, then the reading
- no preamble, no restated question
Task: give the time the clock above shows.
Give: 3:00
